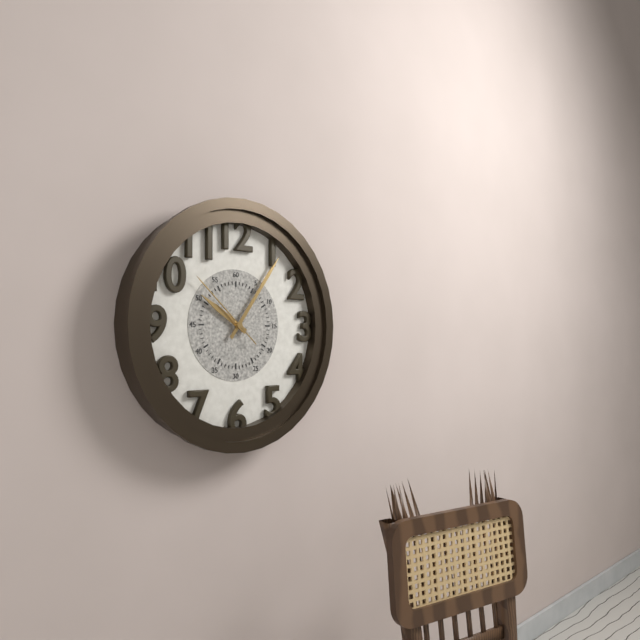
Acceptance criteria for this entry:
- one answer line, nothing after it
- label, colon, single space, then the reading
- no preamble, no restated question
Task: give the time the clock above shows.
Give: 10:06:52
